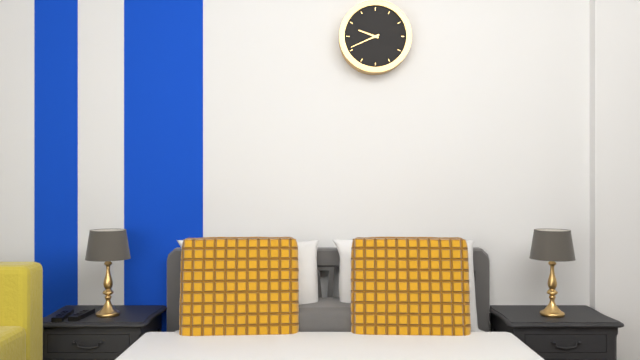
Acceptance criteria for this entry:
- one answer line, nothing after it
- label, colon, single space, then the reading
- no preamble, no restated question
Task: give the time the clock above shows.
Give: 9:41
